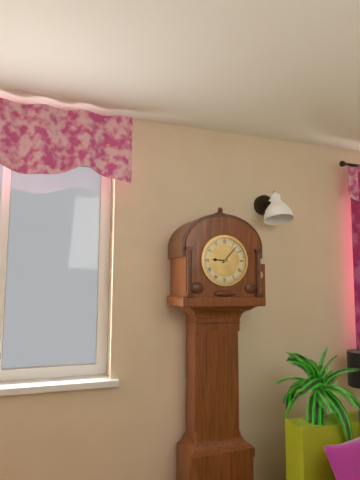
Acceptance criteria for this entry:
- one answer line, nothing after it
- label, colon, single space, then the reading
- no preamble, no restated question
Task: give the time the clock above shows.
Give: 9:07
